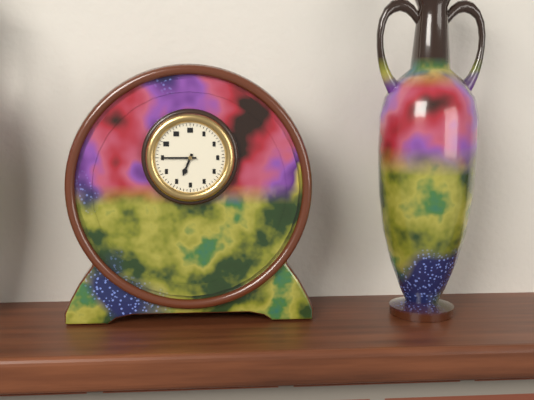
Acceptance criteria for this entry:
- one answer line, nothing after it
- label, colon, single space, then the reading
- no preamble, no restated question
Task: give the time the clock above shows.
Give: 6:45
